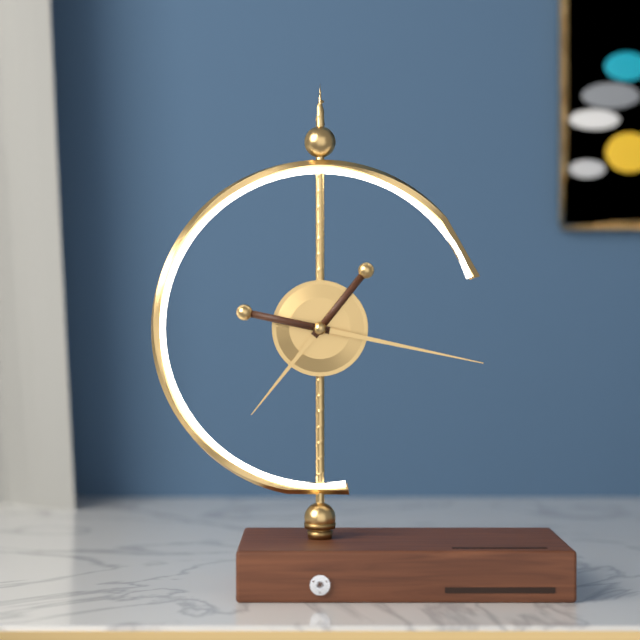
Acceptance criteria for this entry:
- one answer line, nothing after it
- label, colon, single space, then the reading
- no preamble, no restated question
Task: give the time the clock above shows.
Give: 7:17
